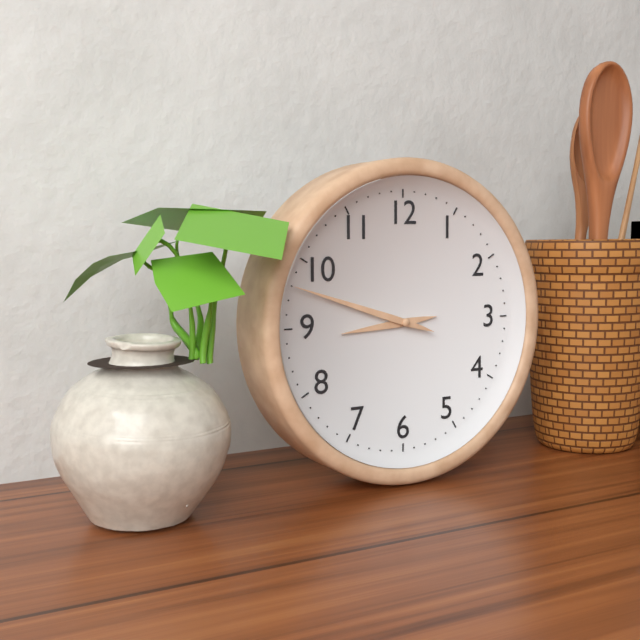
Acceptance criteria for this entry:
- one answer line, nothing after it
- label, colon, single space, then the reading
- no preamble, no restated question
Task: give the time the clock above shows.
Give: 8:48
